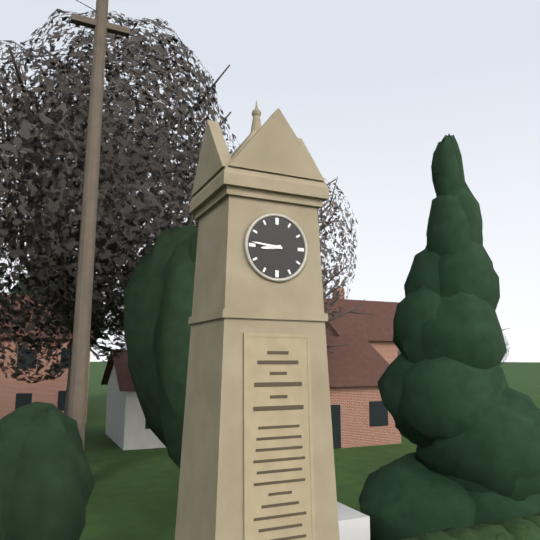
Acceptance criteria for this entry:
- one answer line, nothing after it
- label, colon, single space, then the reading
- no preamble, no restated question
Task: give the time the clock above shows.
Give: 8:46
